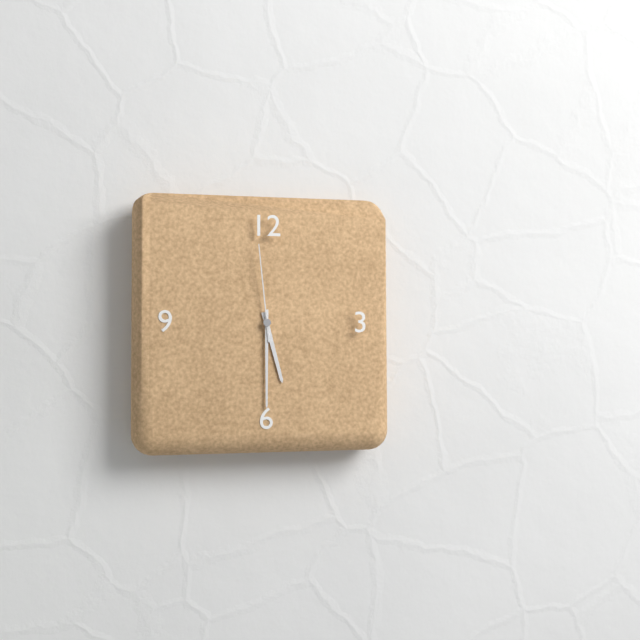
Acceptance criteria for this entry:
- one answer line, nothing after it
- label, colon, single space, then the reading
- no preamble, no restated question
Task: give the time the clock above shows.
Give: 5:30:59
